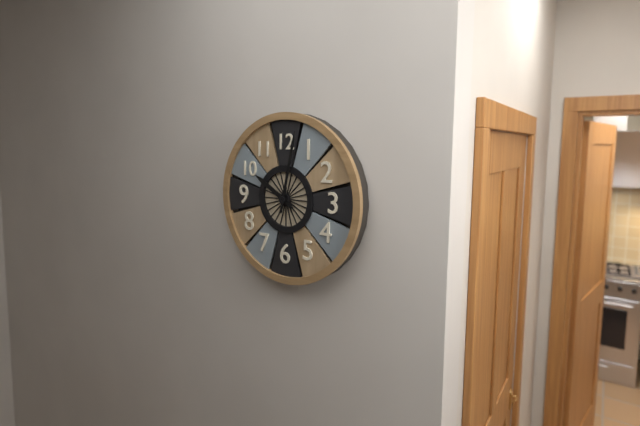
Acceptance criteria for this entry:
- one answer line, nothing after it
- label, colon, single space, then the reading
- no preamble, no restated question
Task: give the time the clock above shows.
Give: 10:02
